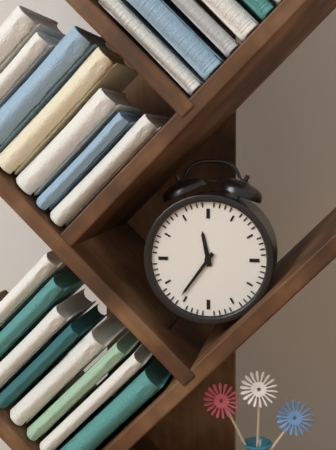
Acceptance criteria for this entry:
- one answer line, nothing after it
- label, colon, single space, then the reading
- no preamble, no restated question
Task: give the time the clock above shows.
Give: 11:36
